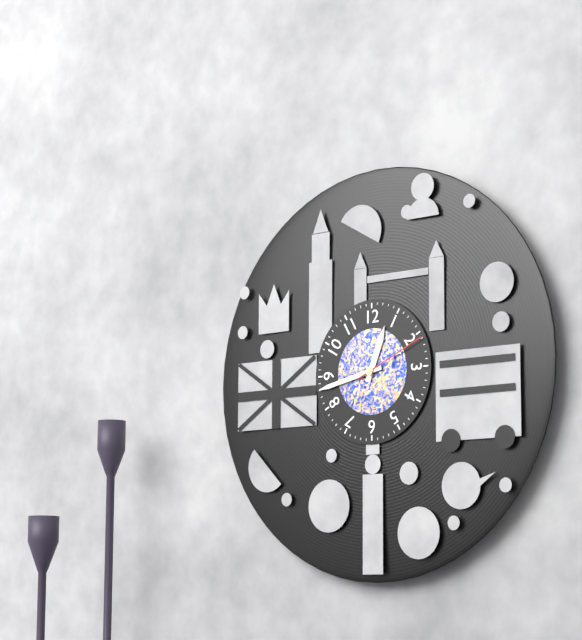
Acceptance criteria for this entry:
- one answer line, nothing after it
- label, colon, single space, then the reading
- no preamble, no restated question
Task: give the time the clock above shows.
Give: 12:43:11
